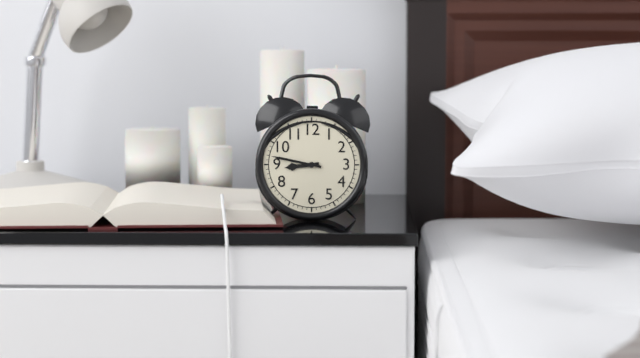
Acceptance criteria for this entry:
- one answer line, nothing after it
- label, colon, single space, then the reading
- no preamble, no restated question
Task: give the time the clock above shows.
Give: 8:47
